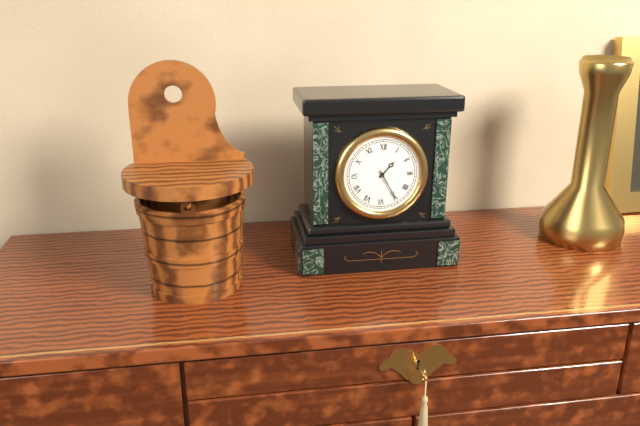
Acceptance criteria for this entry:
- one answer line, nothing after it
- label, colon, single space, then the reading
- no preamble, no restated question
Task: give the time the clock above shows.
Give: 1:25
